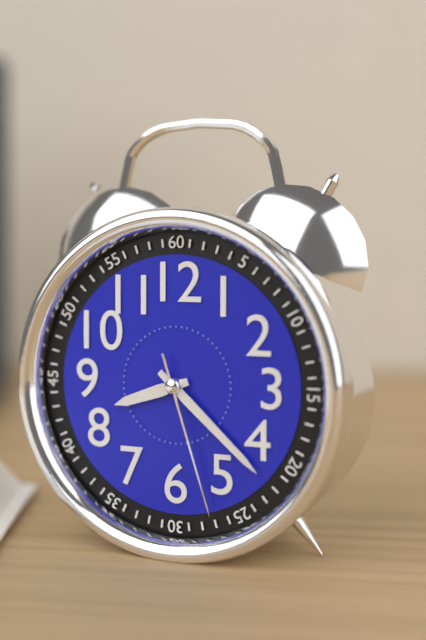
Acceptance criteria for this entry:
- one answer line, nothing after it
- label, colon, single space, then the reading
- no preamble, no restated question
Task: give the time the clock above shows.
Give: 8:22:27
